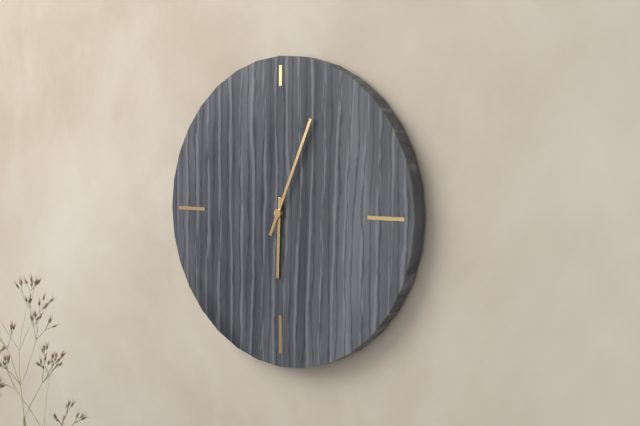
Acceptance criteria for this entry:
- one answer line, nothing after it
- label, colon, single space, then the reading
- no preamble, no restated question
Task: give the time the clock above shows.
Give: 6:04
